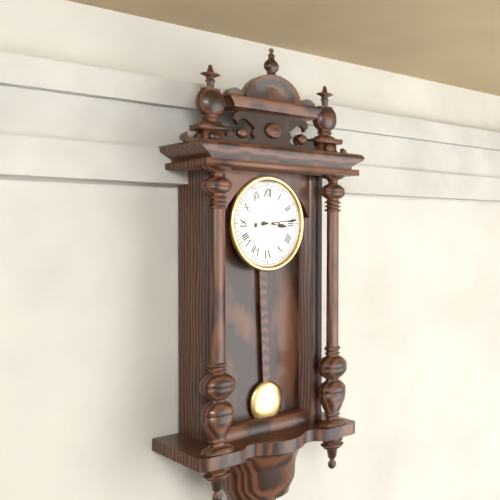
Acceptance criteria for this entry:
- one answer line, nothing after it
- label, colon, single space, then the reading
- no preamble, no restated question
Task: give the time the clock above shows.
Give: 3:14
